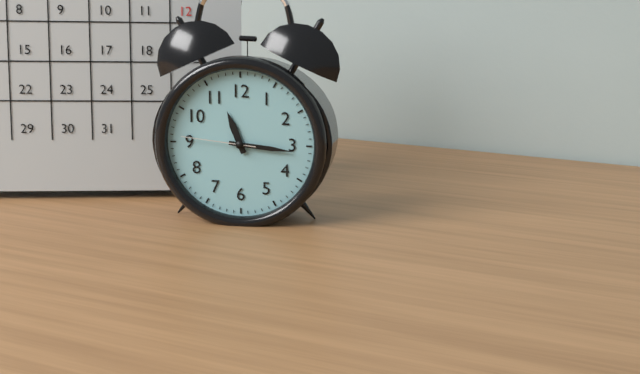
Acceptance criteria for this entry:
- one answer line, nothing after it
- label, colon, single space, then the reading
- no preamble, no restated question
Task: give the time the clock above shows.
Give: 11:16:46
